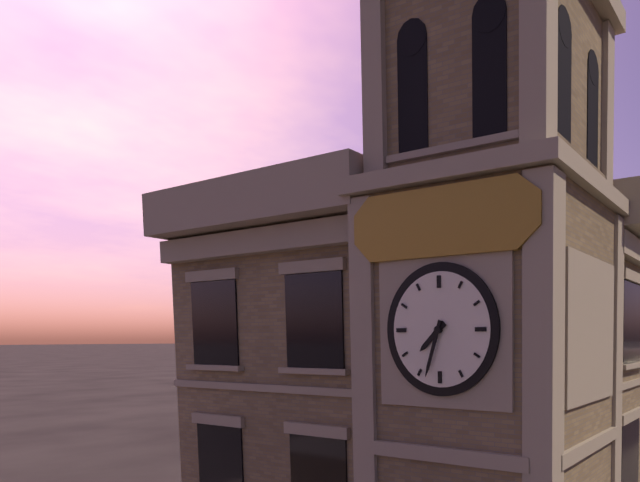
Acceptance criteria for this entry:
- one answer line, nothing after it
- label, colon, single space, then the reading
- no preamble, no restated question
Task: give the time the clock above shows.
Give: 7:33
